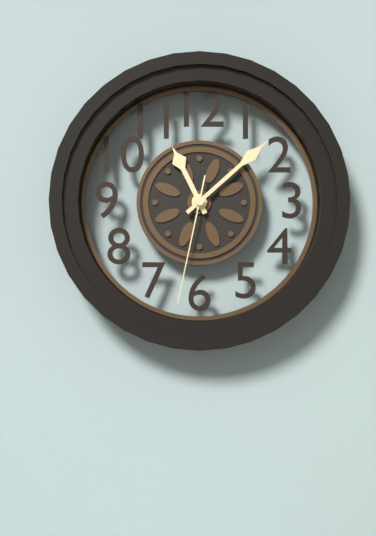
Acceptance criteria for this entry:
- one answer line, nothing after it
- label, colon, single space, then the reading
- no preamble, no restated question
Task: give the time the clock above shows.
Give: 11:08:32
